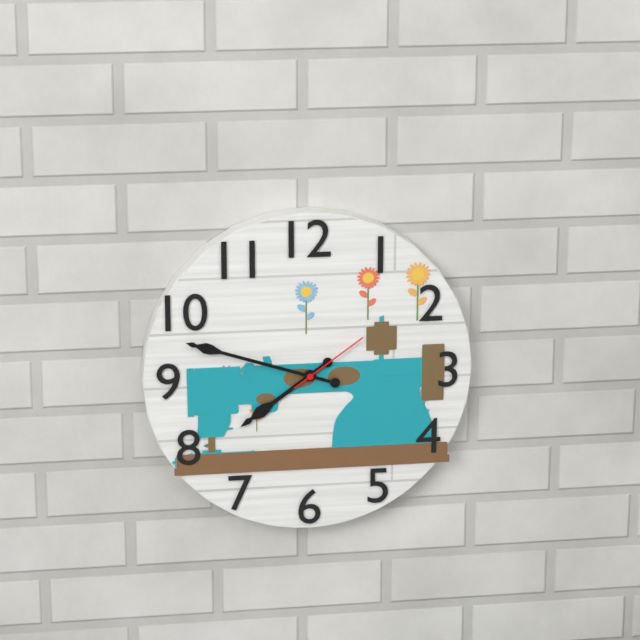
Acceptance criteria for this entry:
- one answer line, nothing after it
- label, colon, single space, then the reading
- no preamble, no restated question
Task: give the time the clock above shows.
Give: 7:48:09
